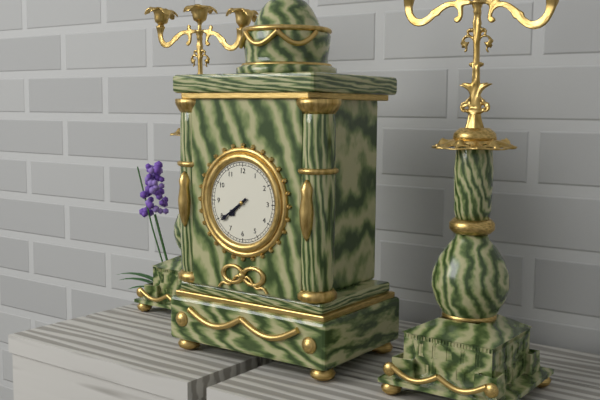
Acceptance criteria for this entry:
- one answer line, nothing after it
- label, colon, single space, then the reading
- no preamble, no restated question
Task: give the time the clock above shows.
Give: 7:39
